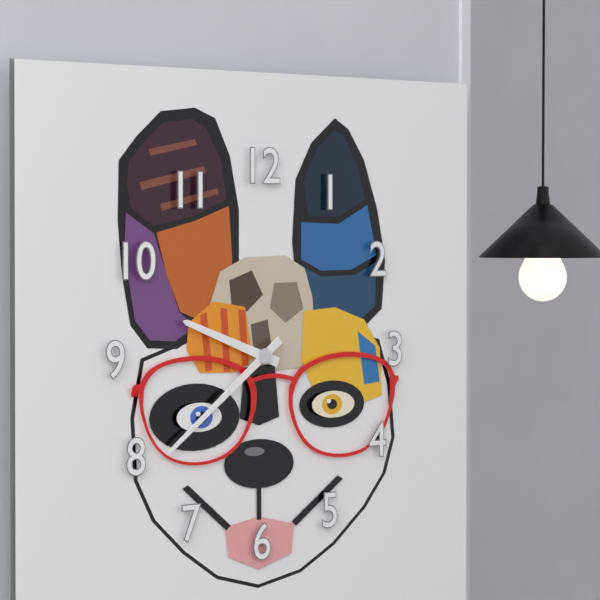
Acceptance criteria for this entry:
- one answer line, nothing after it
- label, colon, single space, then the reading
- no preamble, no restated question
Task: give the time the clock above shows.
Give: 9:39
